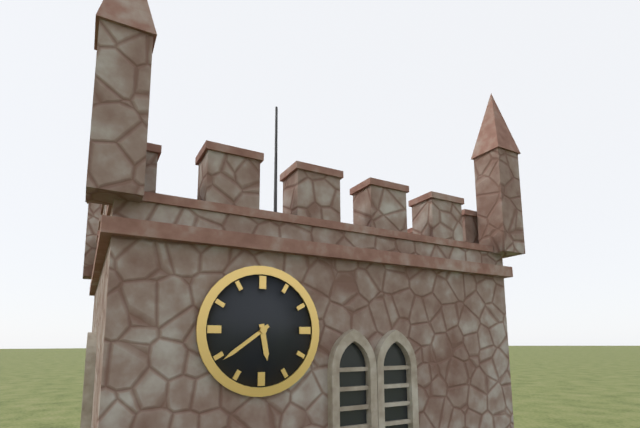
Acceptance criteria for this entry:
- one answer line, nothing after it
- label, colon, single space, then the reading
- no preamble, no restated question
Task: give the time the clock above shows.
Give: 5:39
